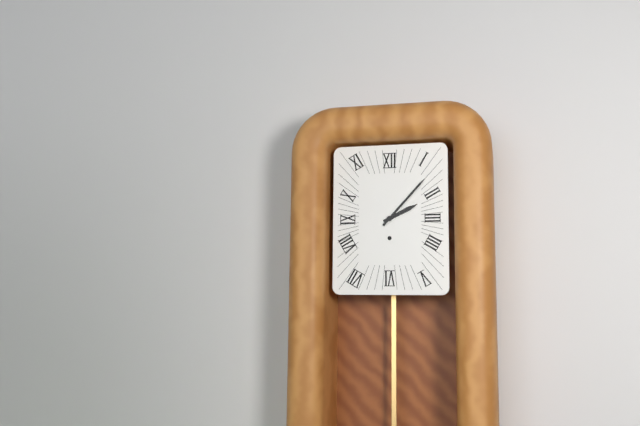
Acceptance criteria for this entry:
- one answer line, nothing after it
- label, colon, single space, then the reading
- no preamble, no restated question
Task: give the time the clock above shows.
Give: 2:07
